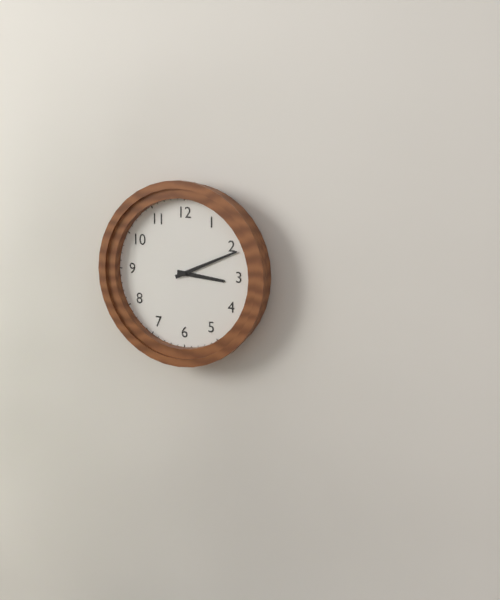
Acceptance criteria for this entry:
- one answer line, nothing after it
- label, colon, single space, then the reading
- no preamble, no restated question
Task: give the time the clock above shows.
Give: 3:11
